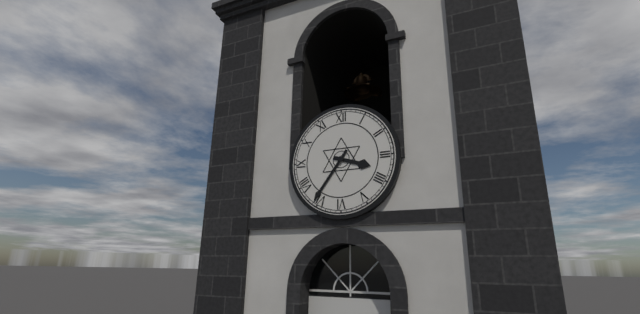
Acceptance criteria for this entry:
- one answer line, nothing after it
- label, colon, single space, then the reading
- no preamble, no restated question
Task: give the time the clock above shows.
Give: 3:36
